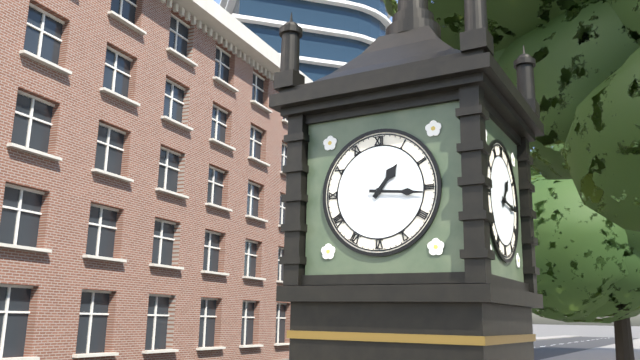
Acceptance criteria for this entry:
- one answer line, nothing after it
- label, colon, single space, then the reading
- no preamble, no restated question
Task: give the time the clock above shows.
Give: 1:16
